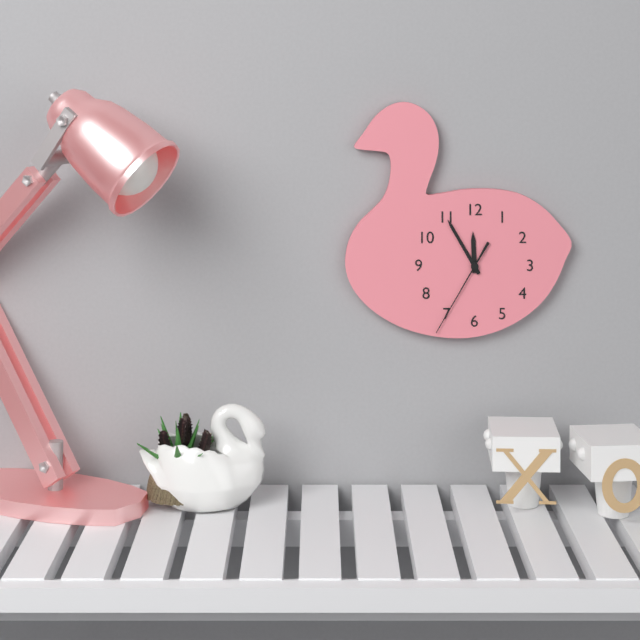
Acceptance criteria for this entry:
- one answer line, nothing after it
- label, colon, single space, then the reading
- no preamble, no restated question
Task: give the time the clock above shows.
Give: 11:55:35
